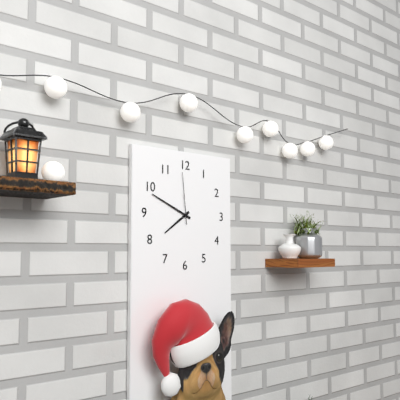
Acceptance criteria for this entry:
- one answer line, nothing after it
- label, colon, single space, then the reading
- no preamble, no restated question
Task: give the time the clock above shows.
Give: 7:49:59
